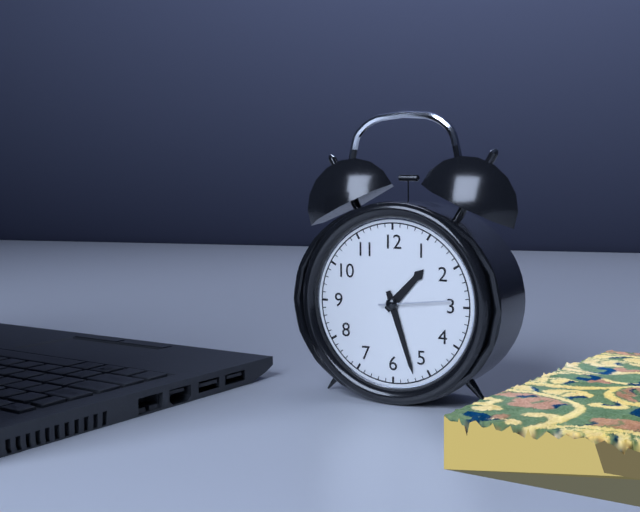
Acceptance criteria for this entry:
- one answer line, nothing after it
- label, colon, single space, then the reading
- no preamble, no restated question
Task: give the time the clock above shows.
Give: 1:27:14
